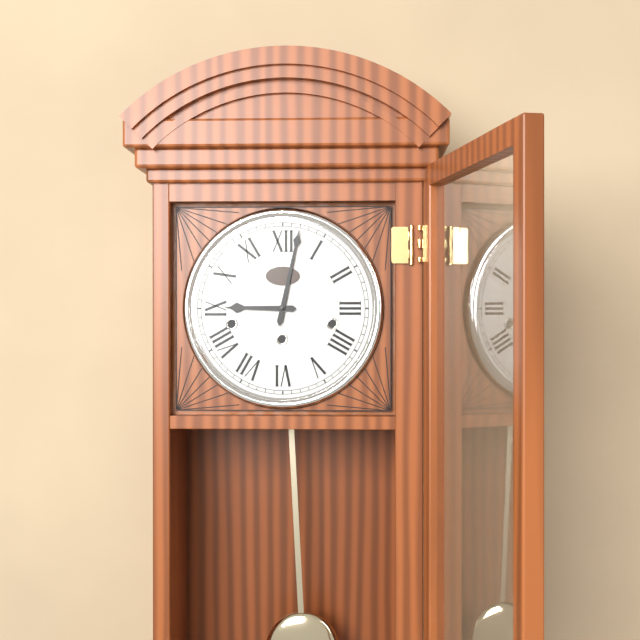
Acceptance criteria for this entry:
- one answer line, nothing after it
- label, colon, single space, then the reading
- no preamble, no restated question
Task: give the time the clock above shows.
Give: 9:02
